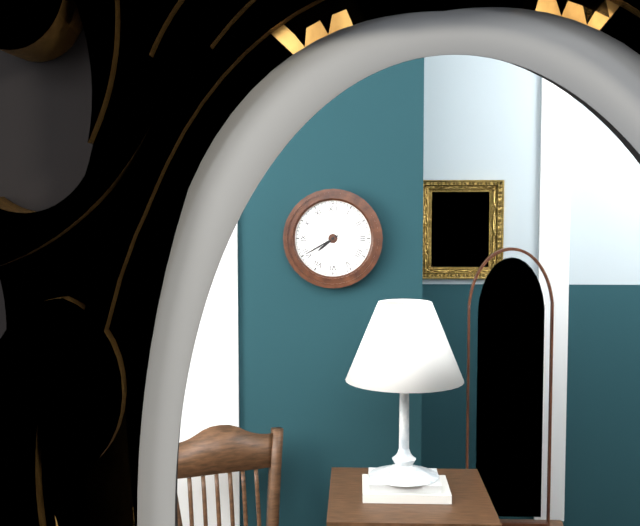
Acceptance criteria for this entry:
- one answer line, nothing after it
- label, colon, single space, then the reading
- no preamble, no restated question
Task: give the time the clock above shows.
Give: 7:40
